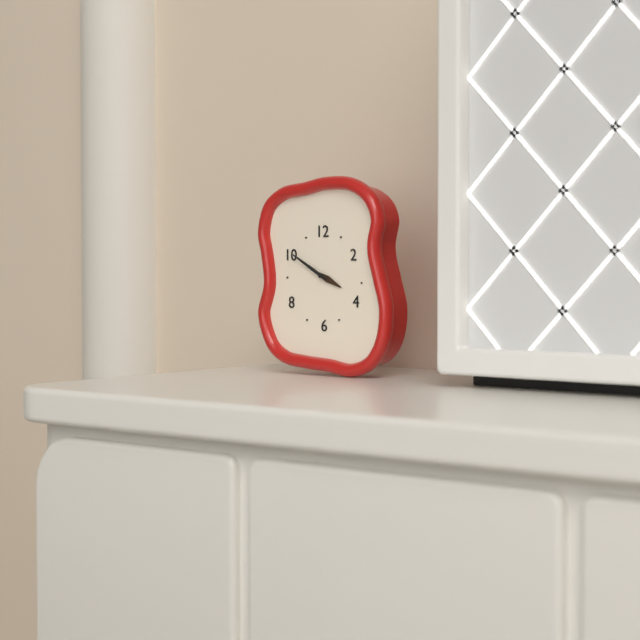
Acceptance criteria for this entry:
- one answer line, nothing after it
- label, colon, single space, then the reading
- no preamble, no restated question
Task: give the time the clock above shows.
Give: 3:50
